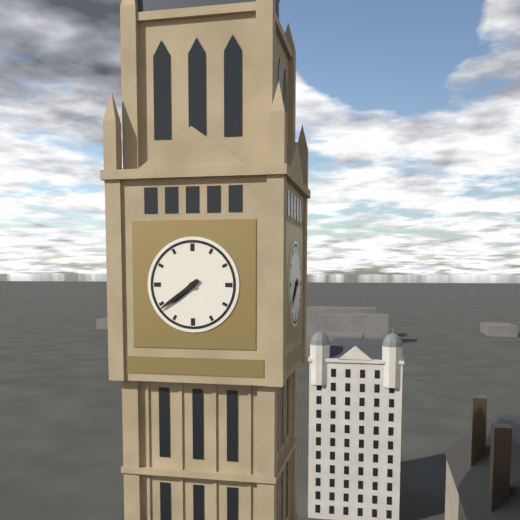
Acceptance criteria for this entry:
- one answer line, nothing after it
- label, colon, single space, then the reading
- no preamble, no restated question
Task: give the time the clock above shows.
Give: 7:39
